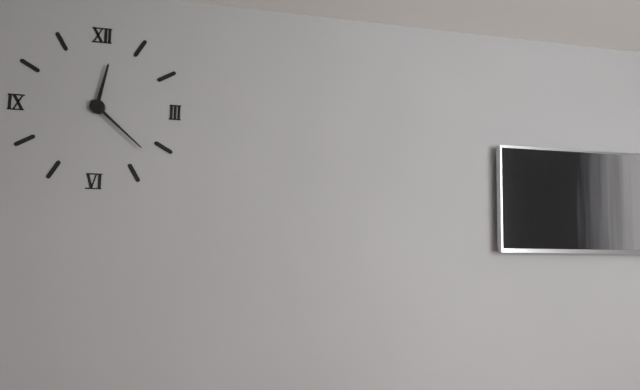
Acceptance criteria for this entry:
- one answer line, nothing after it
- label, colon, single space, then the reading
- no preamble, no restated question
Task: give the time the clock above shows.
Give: 12:22
